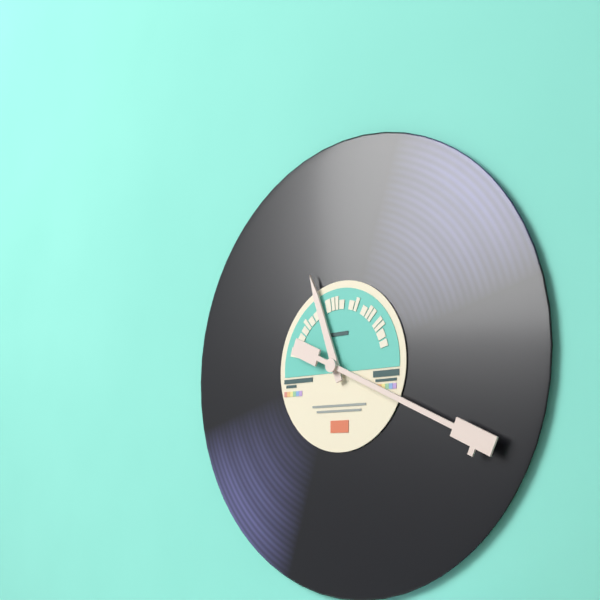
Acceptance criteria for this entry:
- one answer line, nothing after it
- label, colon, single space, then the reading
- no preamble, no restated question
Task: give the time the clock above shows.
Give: 11:19
